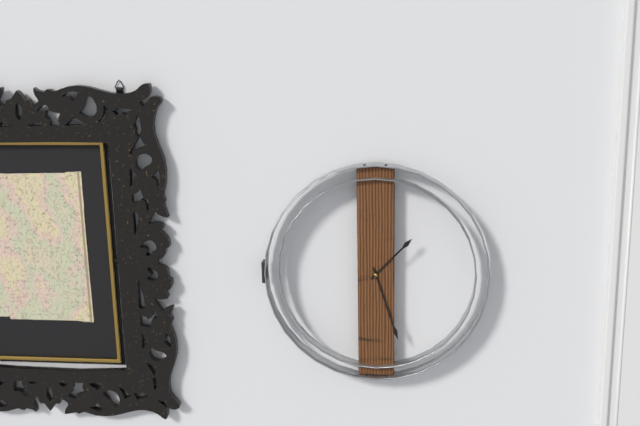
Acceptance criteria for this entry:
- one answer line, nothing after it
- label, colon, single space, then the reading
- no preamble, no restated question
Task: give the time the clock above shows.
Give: 1:27
